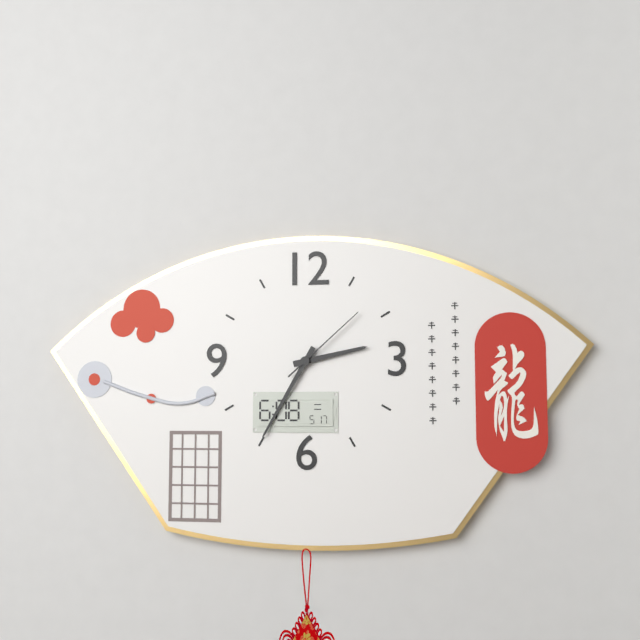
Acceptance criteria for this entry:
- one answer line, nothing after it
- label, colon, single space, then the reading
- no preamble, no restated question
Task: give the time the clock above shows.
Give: 2:35:08
